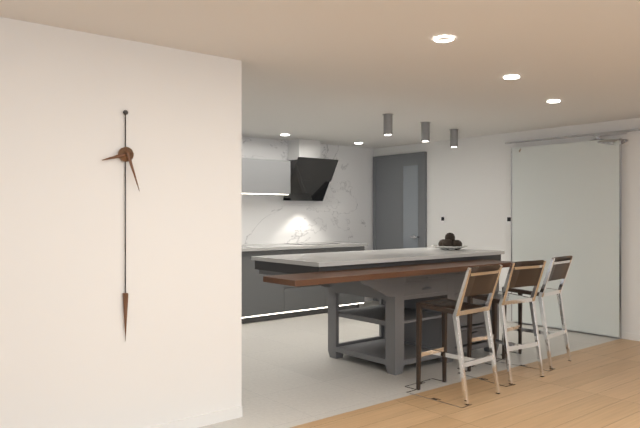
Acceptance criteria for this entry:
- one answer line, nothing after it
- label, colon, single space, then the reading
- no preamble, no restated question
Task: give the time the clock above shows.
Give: 8:27
